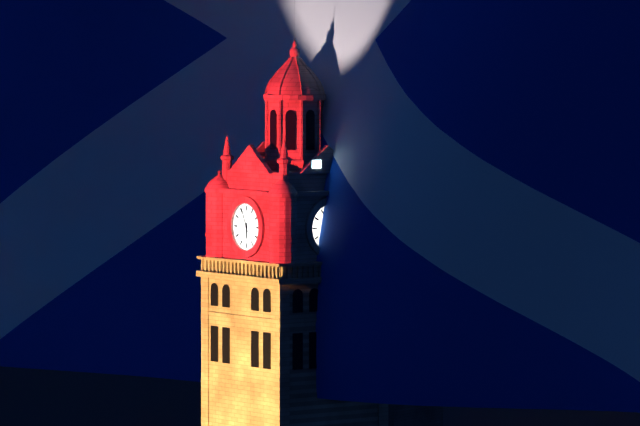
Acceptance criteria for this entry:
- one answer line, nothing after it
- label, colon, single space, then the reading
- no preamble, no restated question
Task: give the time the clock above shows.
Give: 5:56
